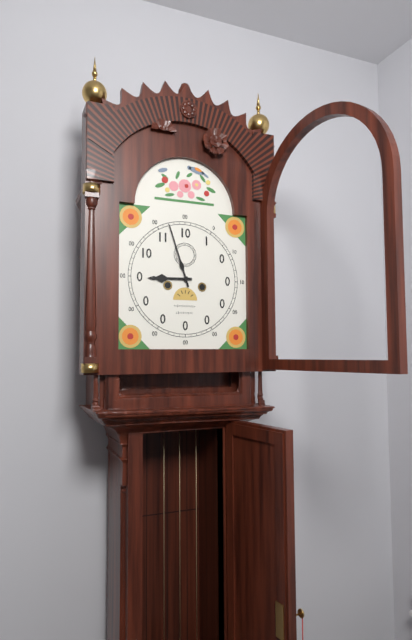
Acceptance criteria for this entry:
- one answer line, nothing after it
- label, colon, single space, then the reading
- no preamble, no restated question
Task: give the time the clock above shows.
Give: 8:57
